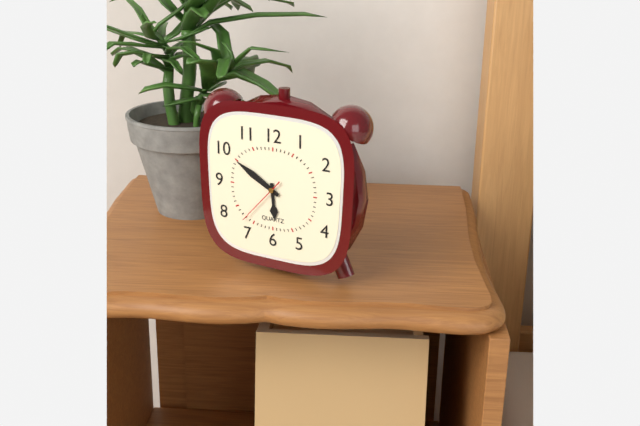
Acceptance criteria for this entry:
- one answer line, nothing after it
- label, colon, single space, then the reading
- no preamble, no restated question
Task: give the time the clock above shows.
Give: 5:50:37
